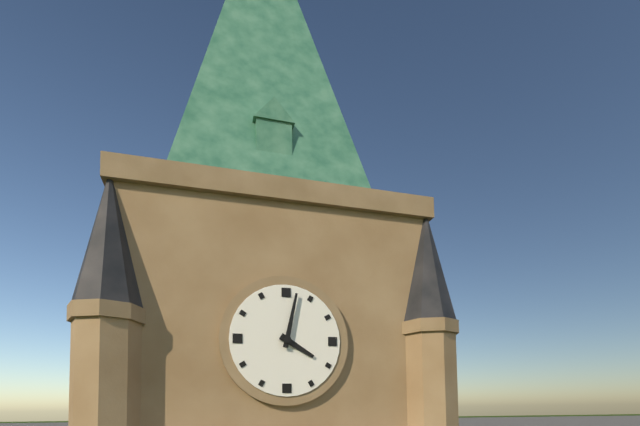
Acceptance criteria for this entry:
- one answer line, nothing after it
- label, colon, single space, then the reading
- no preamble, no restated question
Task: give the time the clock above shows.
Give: 4:02
